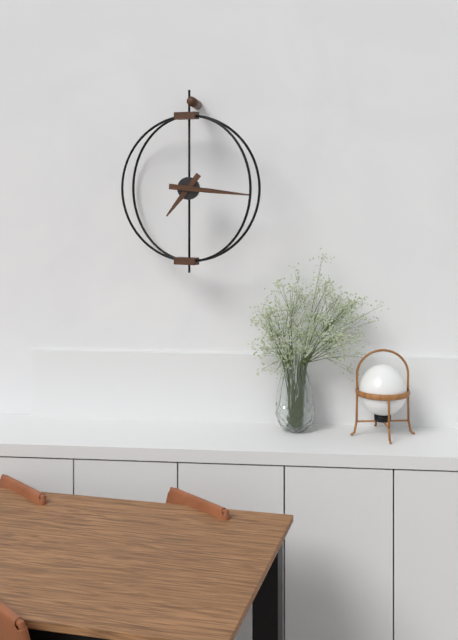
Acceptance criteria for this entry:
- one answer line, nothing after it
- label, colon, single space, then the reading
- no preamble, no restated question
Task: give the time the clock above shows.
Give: 7:16
